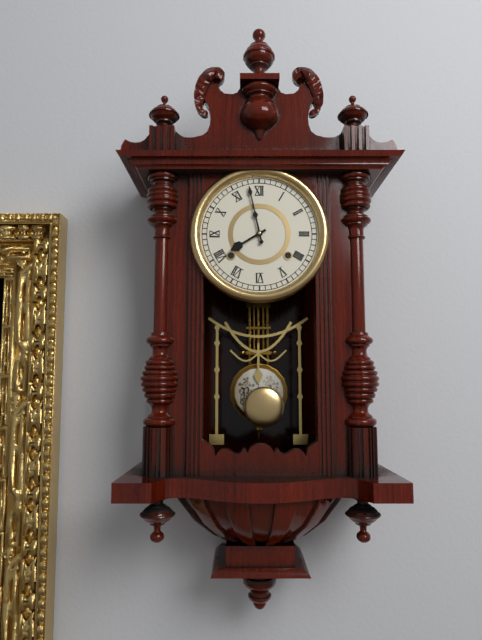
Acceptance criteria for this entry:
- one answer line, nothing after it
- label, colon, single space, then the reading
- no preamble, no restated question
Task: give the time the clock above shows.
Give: 7:58
